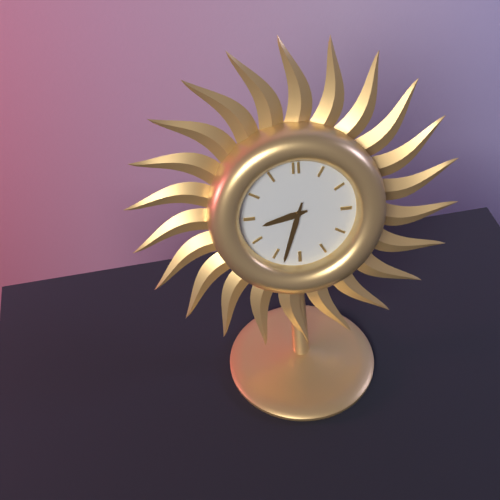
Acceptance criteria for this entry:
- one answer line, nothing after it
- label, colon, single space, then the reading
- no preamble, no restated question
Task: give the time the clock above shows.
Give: 8:33
